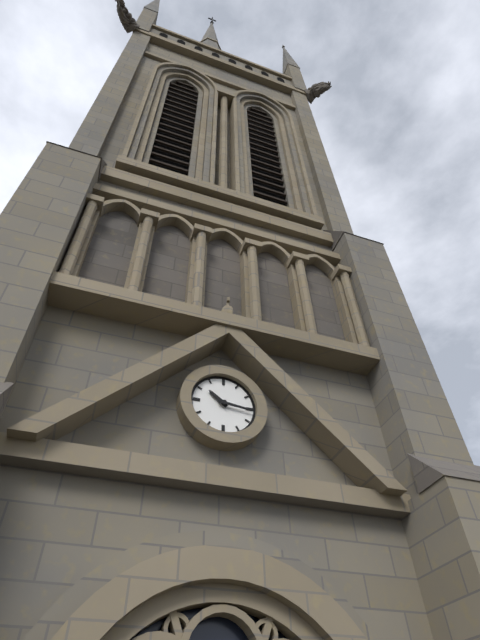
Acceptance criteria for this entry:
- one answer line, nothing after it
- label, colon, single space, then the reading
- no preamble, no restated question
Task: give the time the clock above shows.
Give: 10:16
